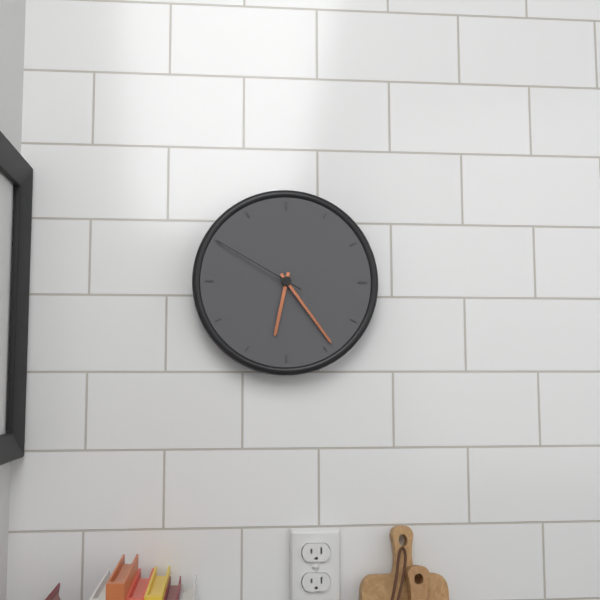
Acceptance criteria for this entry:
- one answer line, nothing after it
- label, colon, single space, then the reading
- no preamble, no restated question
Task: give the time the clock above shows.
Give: 6:24:50
